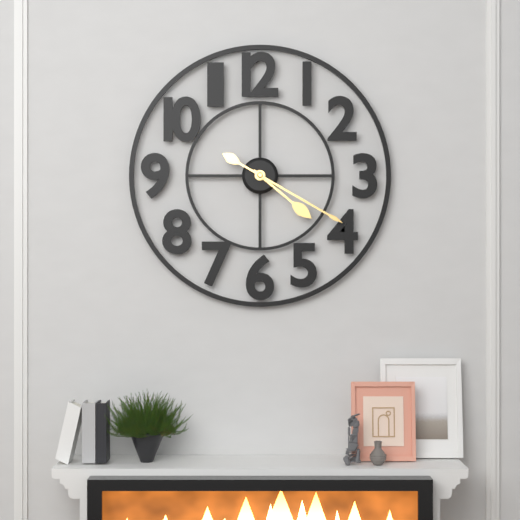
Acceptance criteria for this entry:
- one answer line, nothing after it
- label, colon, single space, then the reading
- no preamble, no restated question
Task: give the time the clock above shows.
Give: 4:20
